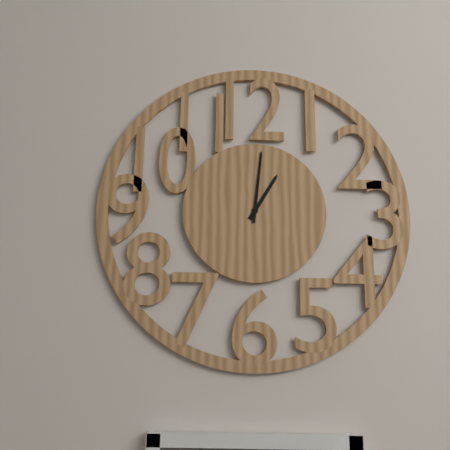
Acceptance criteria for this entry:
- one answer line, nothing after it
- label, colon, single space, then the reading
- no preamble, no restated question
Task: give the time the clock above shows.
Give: 1:01
